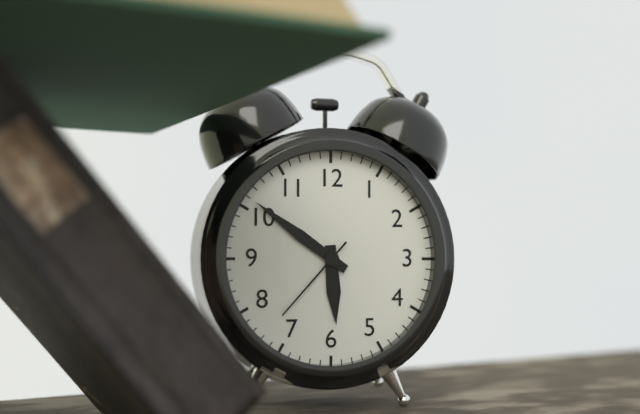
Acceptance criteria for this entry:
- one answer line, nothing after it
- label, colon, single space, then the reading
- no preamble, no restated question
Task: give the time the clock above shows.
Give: 5:51:37
